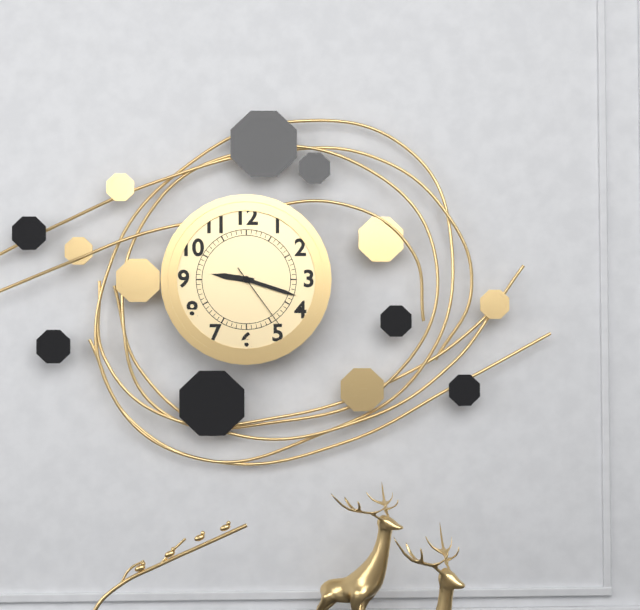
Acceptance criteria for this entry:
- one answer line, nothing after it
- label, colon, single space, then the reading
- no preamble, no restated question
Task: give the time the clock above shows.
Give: 9:18:24
